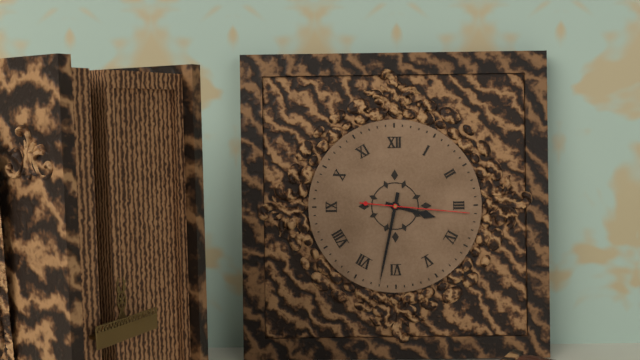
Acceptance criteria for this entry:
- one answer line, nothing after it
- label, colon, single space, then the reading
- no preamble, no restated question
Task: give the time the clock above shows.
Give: 3:32:16
